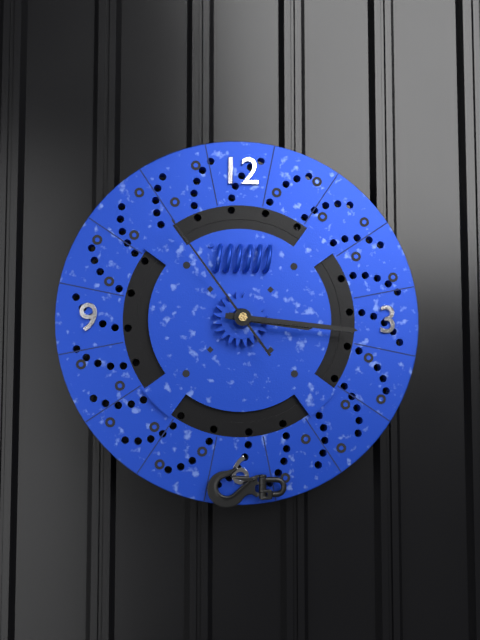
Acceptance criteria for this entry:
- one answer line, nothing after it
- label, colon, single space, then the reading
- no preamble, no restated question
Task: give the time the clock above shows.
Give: 3:16:54
